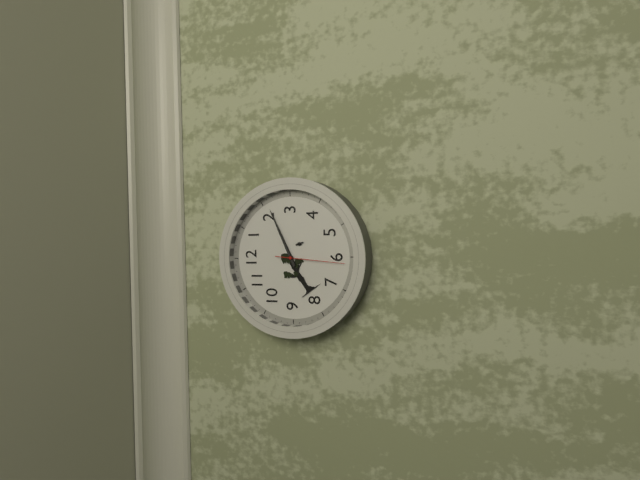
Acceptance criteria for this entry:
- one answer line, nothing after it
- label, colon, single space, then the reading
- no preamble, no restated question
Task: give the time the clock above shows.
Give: 2:11:31
